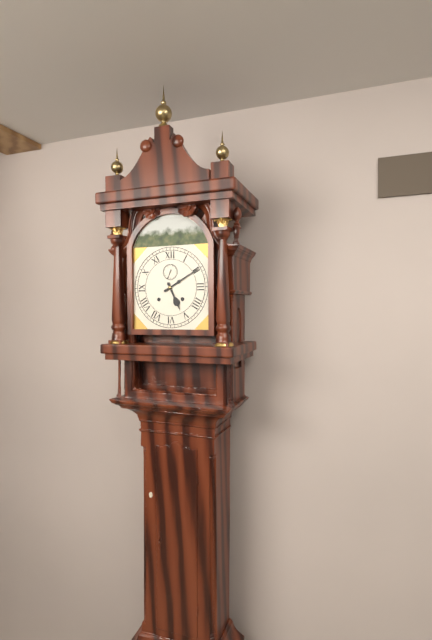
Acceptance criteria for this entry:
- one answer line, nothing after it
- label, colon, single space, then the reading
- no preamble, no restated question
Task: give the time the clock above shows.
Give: 5:10
